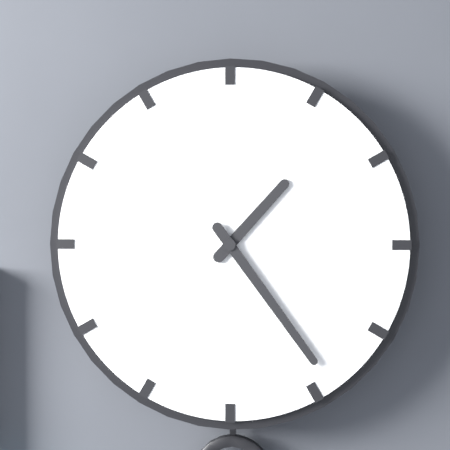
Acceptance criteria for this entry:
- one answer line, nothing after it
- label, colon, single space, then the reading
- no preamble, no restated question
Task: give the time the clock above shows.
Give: 1:24
